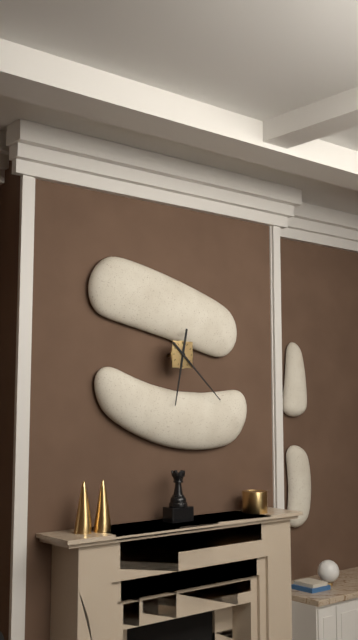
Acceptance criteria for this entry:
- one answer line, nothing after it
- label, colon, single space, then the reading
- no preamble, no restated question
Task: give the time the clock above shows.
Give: 6:22
